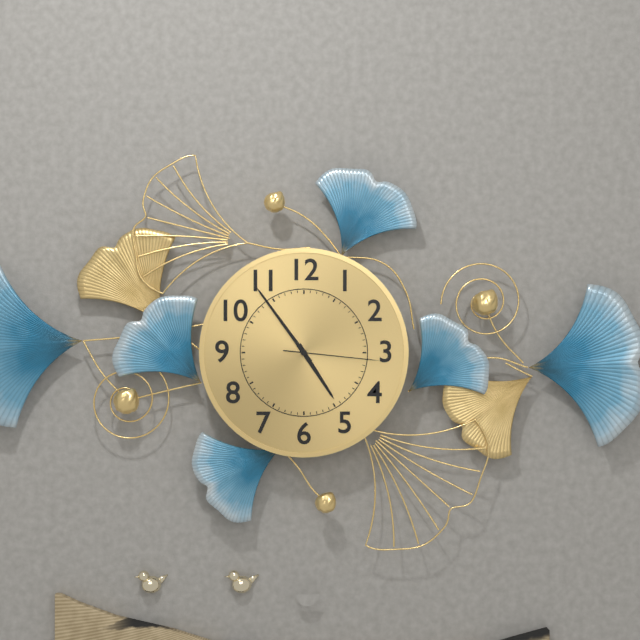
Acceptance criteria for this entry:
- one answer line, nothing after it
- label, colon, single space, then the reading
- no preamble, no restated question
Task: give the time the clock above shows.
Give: 4:54:16
